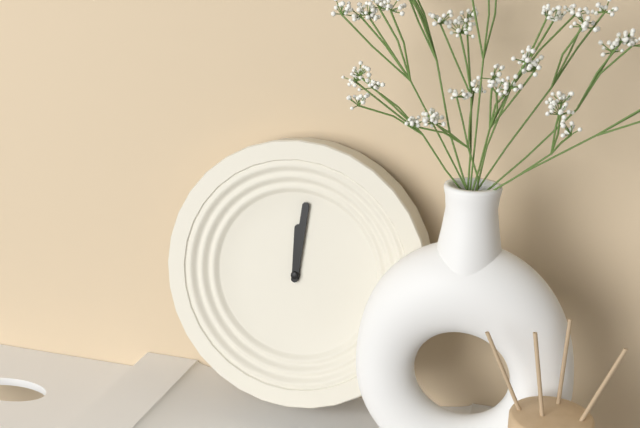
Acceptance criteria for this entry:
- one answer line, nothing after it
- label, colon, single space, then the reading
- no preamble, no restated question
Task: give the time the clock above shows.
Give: 12:01
